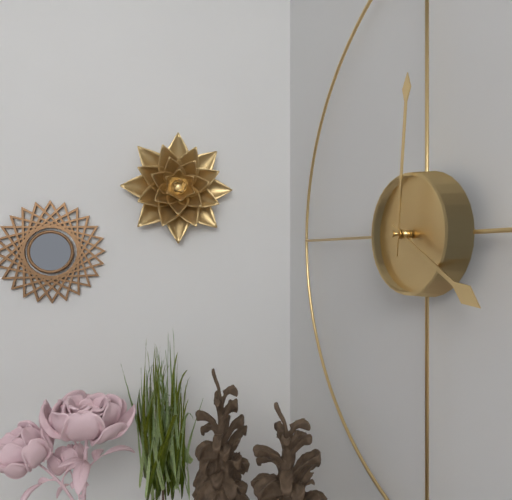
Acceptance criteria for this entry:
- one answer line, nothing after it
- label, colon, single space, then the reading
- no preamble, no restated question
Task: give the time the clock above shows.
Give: 4:01
